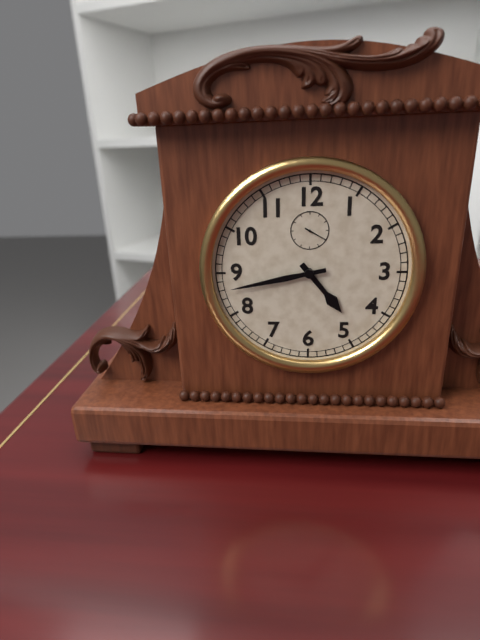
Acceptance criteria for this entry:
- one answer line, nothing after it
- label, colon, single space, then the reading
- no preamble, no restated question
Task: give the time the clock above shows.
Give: 4:43
